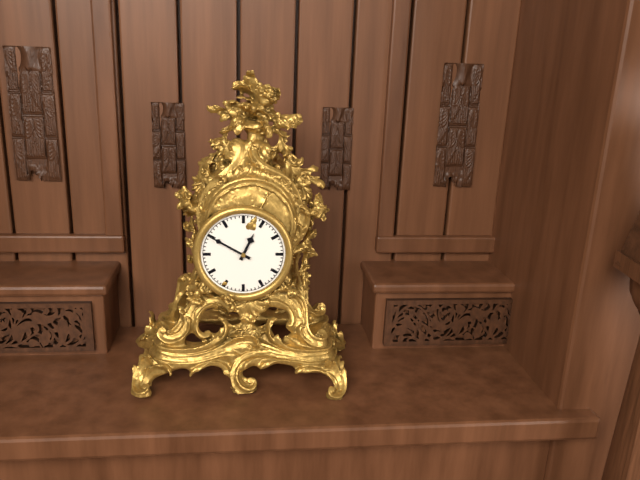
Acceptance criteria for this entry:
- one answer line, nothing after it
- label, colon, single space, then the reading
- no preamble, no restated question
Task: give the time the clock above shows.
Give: 12:50
